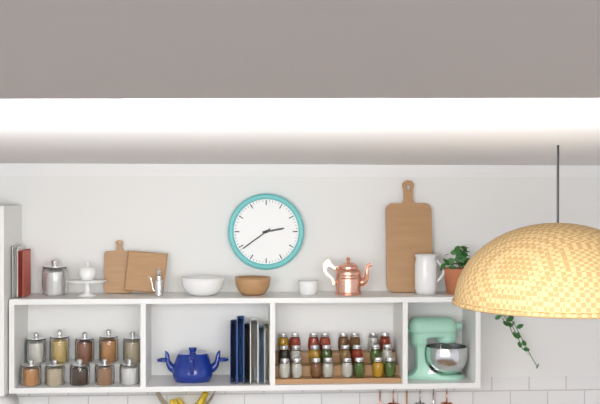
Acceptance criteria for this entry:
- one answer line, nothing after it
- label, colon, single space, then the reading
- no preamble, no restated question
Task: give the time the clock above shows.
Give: 2:39
